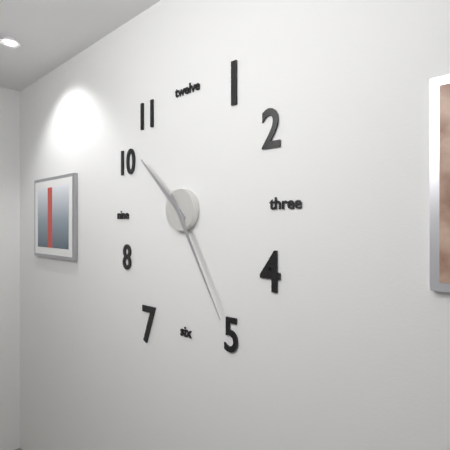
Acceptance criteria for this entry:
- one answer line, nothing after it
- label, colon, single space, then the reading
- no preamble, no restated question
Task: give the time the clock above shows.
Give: 10:25
